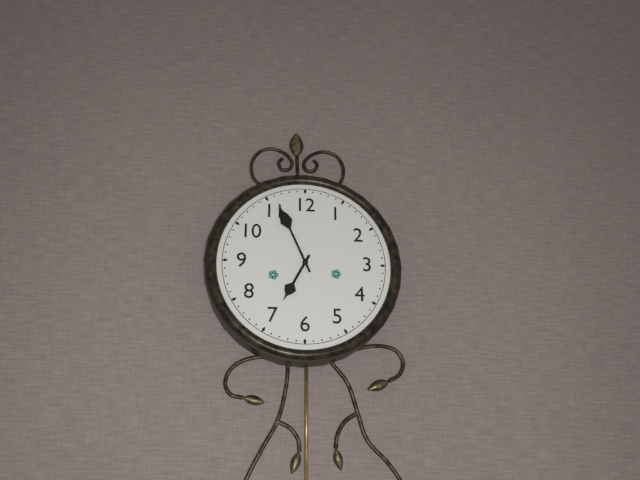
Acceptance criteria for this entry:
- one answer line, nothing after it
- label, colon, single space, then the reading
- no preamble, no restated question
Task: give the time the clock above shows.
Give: 6:56
